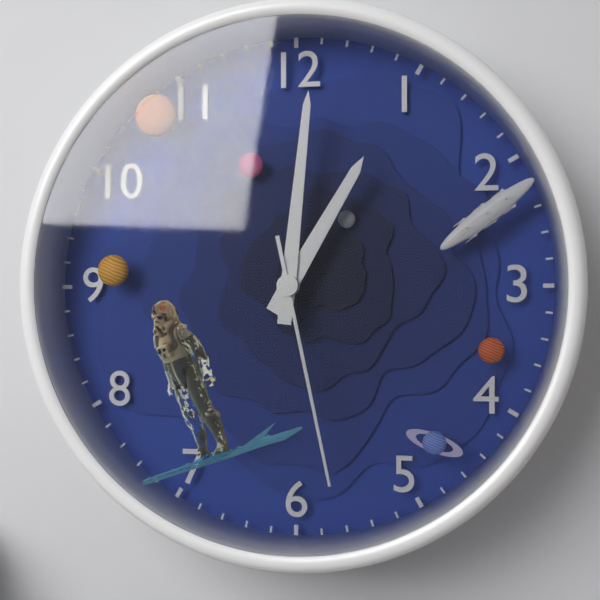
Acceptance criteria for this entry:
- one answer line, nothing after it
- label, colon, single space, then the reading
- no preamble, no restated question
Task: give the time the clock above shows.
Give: 1:01:28
